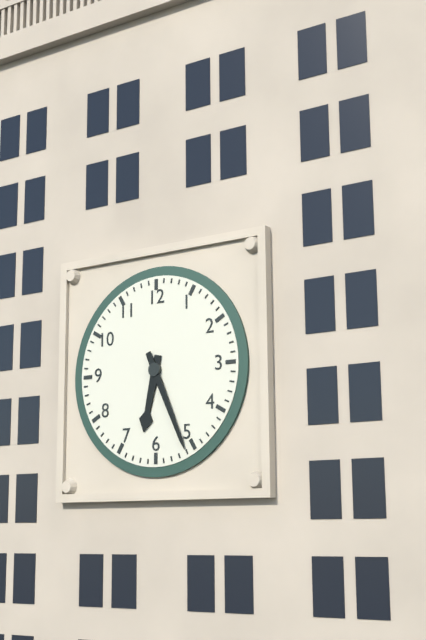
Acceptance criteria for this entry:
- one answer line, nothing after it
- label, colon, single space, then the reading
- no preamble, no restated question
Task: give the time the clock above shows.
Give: 6:26
